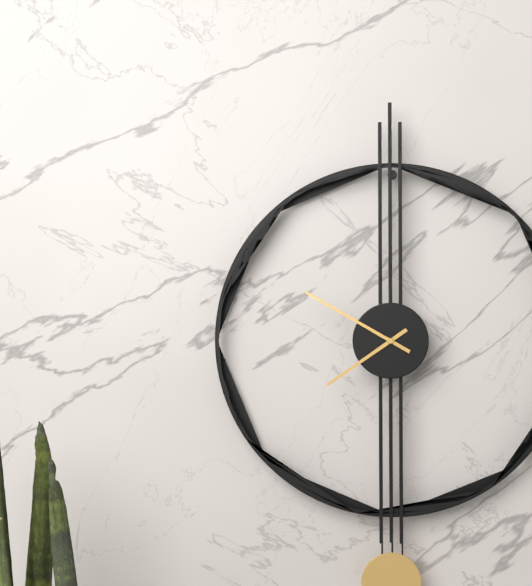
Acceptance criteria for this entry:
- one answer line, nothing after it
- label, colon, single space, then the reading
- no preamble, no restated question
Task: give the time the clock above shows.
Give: 7:50
